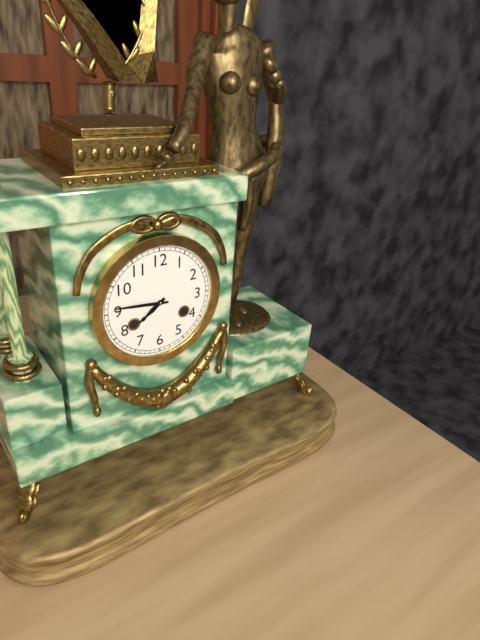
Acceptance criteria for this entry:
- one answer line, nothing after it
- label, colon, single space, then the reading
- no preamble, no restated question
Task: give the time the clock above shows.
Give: 7:46
